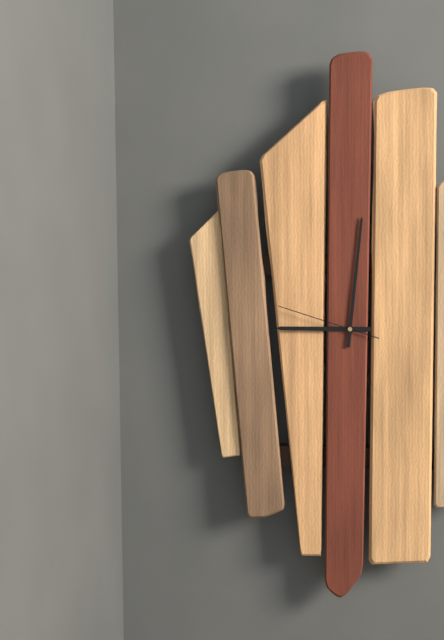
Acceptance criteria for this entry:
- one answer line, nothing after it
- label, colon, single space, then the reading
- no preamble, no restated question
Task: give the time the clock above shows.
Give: 9:01:48
